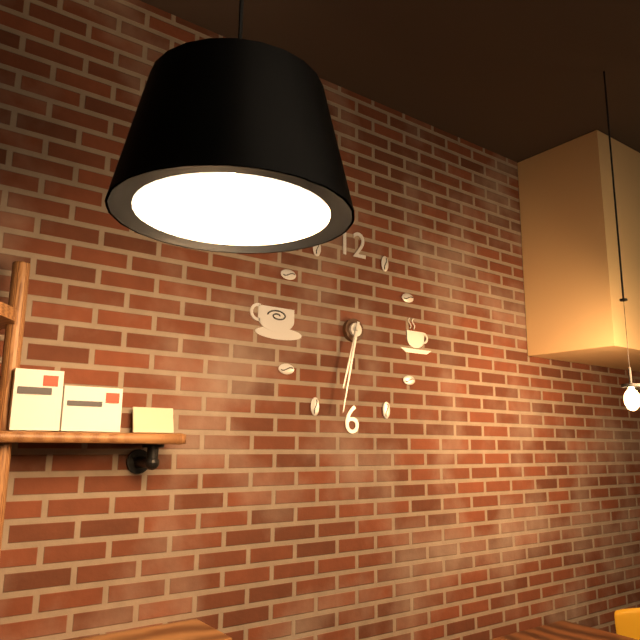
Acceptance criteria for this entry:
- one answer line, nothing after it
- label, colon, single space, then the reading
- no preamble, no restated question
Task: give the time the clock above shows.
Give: 6:32
